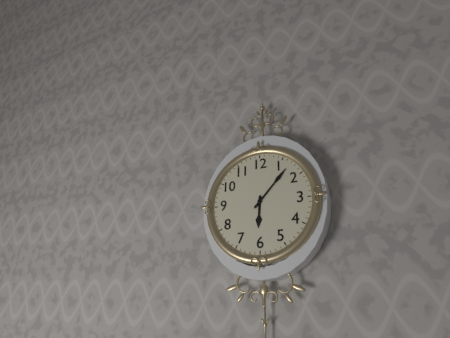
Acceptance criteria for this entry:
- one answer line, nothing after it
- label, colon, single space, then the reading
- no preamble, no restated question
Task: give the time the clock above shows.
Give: 6:07
